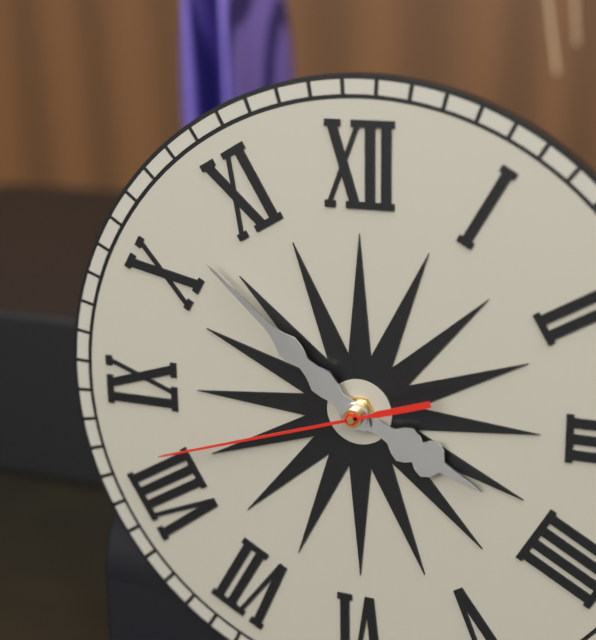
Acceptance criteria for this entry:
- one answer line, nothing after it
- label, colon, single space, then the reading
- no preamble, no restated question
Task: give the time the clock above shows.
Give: 3:52:42
